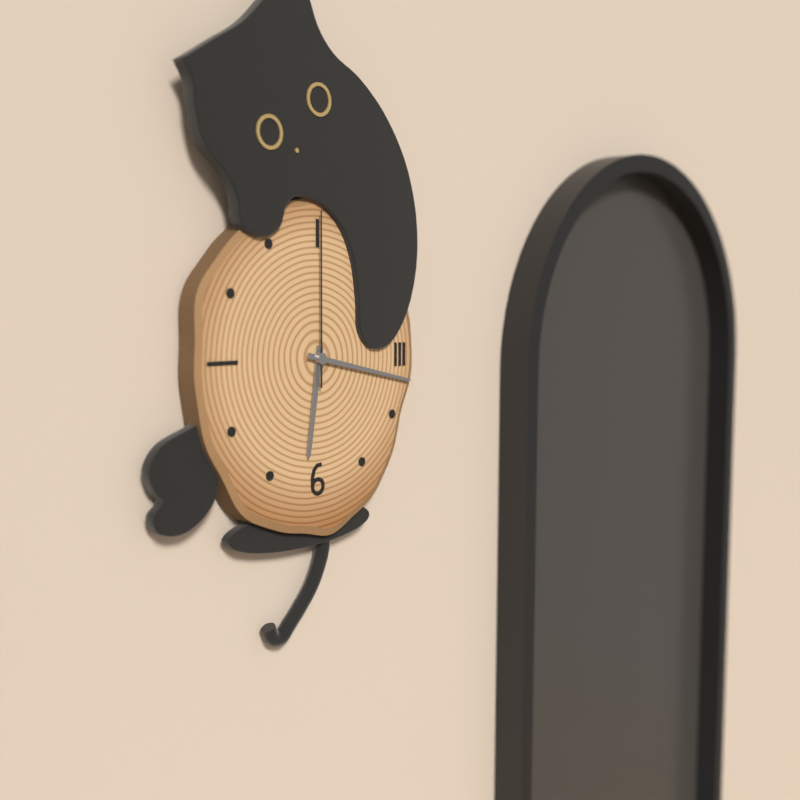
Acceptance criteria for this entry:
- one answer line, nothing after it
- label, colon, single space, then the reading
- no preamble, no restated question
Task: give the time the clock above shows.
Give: 6:17:00
